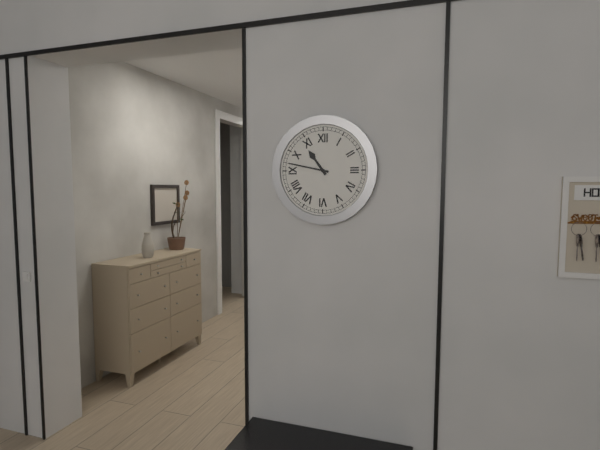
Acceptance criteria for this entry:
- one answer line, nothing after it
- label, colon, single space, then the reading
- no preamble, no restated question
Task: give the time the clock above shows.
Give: 10:47
